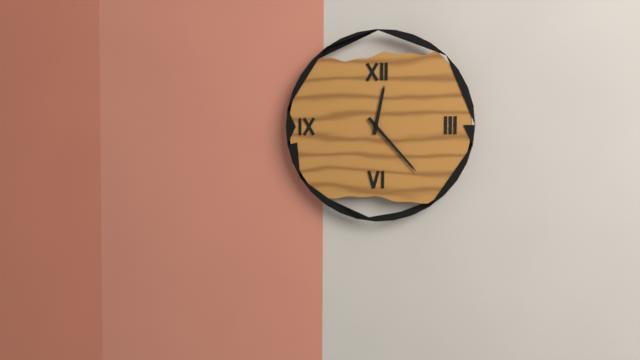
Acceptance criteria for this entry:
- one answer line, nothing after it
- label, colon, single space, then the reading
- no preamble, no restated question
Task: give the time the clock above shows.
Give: 12:23
